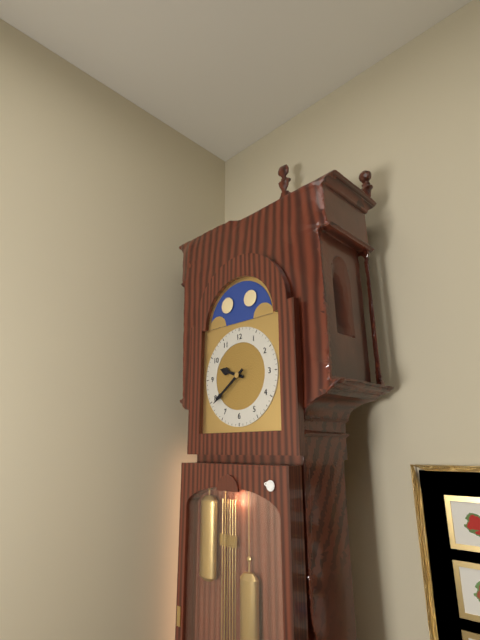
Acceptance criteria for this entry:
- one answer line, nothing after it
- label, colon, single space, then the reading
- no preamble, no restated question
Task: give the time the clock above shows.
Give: 9:39
